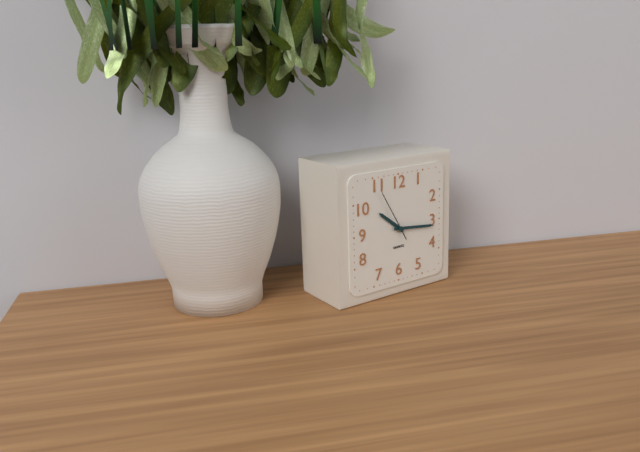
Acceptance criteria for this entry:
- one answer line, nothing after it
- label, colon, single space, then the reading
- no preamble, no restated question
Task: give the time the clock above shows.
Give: 10:16:55
